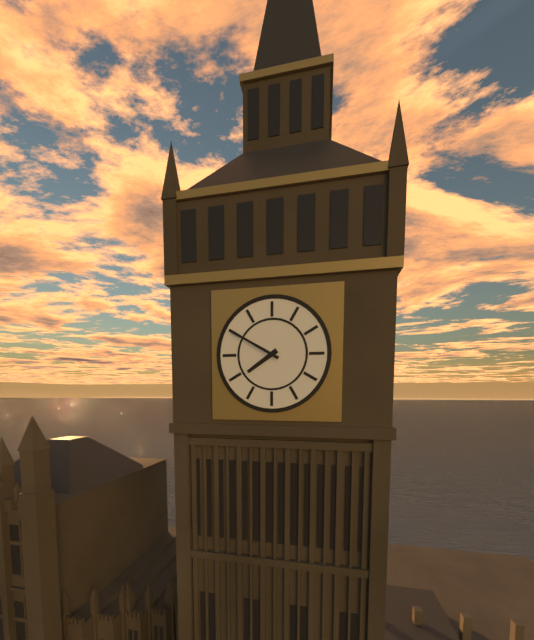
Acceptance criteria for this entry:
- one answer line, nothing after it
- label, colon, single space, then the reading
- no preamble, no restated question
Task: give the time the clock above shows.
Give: 7:50
